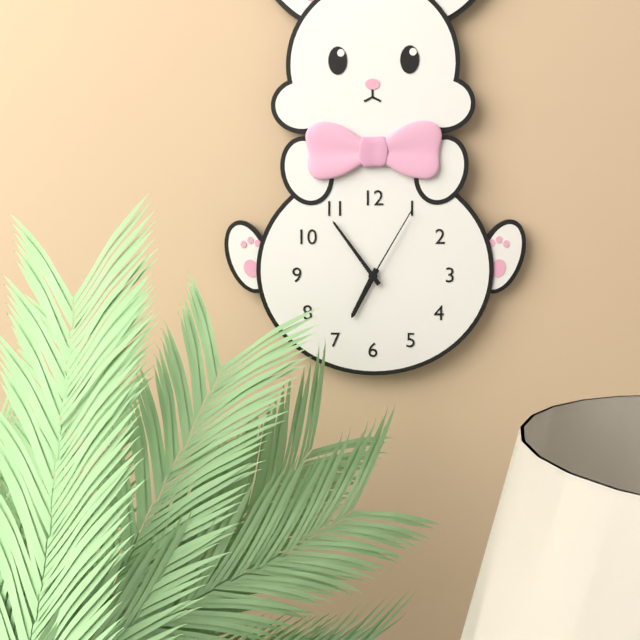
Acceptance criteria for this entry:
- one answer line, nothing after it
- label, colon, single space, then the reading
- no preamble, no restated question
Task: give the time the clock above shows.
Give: 6:54:05
